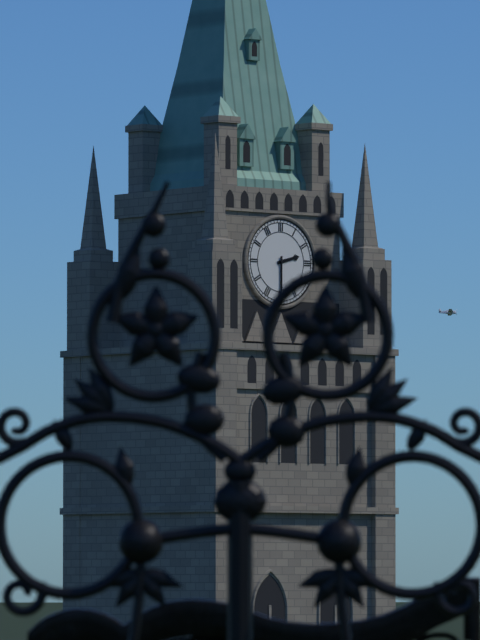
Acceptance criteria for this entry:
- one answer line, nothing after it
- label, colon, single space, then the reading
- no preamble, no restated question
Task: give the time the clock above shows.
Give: 2:30
